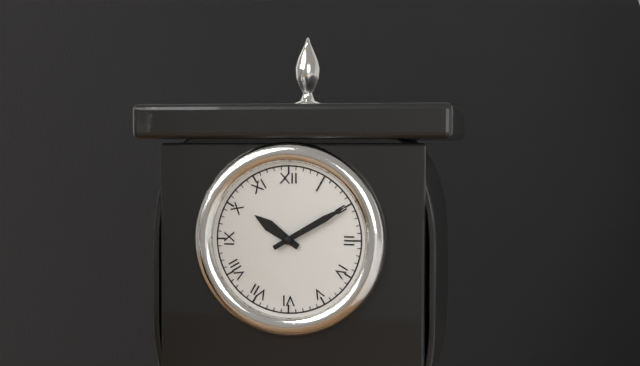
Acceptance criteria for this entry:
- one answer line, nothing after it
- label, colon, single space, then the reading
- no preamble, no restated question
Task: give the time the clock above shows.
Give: 10:10
